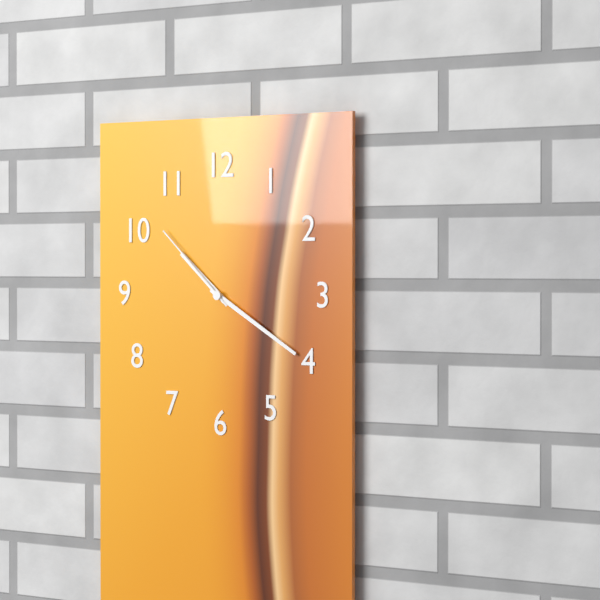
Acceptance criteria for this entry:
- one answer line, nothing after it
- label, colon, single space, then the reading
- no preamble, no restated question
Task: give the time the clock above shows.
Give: 10:20:52
